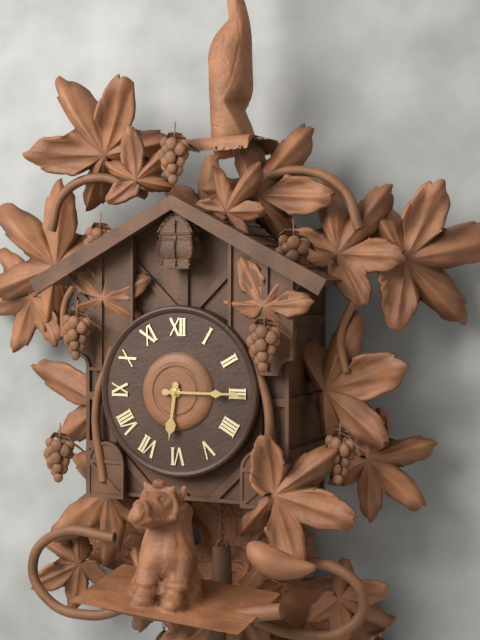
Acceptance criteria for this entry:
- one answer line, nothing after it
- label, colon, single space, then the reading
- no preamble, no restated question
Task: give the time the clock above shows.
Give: 6:15
